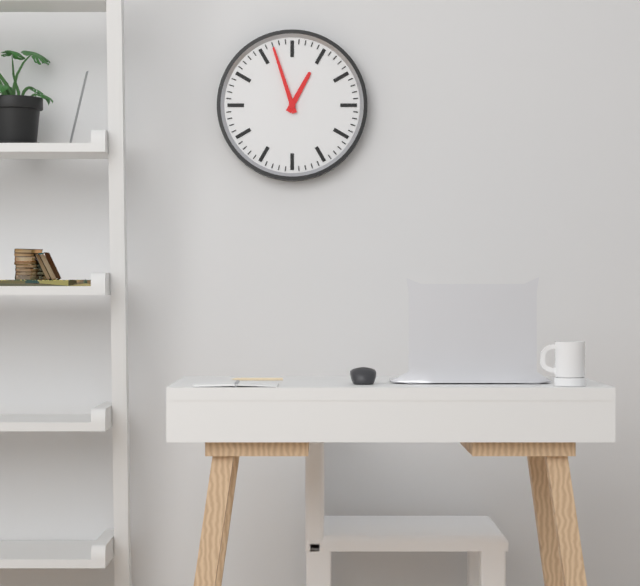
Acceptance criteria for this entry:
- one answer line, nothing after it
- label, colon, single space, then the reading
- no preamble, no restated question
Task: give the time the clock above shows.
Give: 12:57
